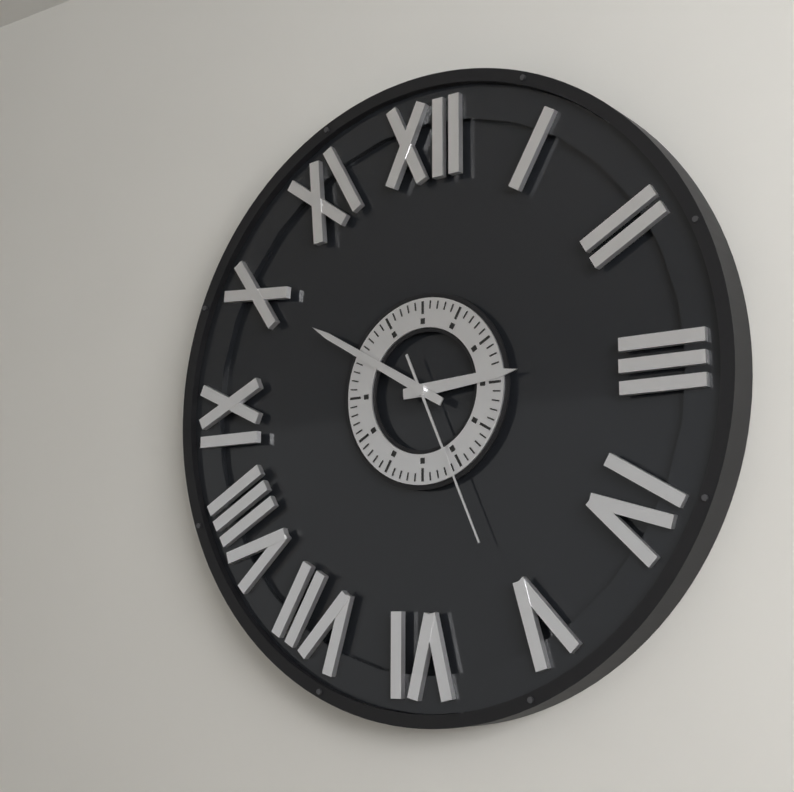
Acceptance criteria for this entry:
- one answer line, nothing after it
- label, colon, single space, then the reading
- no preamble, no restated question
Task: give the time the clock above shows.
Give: 2:50:26
